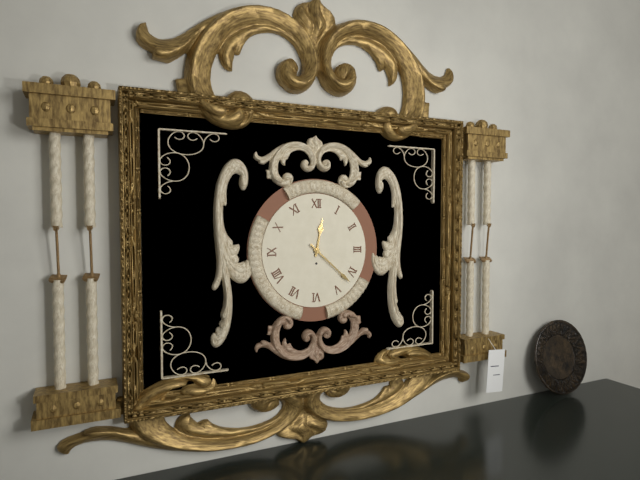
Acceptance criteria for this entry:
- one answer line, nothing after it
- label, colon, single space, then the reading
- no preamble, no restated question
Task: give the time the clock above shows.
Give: 12:22
